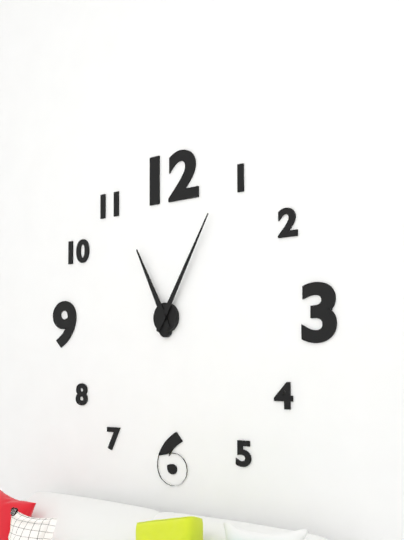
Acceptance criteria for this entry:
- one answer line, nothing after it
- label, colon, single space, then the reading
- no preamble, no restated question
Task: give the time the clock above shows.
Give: 11:05
